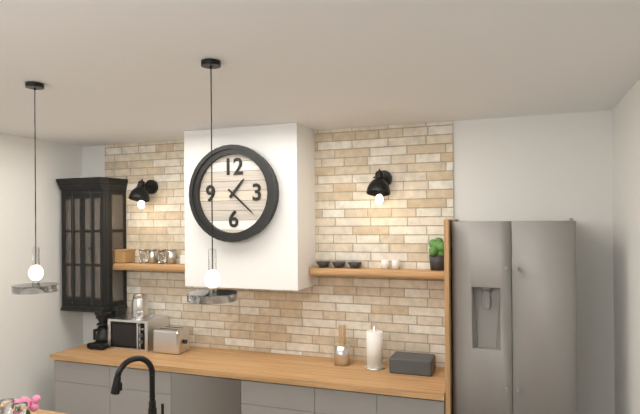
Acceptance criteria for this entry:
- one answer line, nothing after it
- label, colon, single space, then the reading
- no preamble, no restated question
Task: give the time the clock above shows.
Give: 1:22
